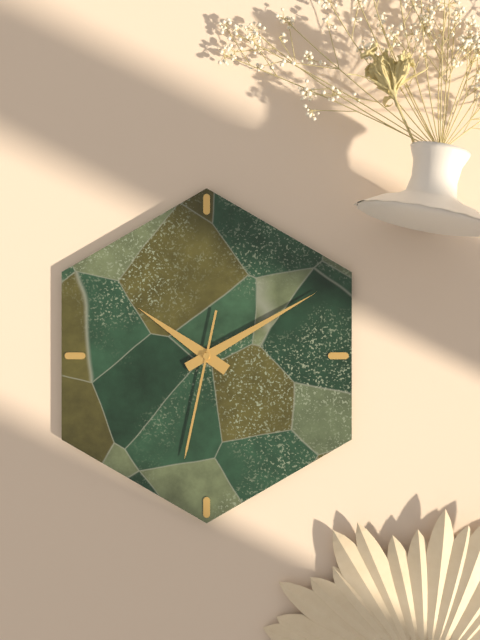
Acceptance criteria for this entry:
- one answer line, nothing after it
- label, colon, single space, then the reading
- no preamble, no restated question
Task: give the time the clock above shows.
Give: 10:10:32
